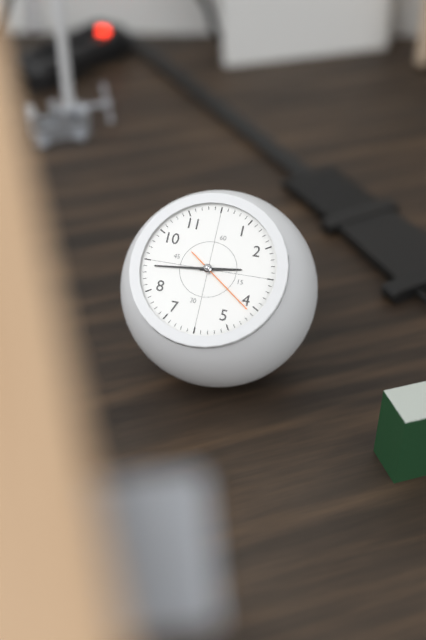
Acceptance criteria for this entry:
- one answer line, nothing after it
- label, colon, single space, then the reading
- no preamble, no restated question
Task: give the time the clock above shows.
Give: 2:44:21
